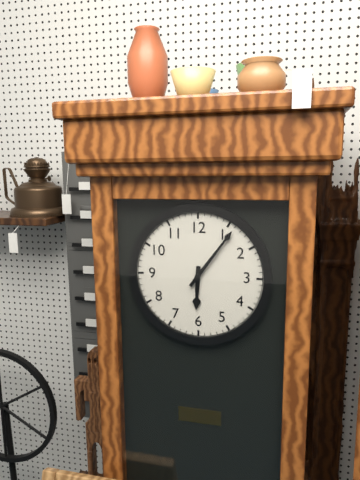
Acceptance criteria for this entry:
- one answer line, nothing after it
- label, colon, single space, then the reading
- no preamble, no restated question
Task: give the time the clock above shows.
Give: 6:06
